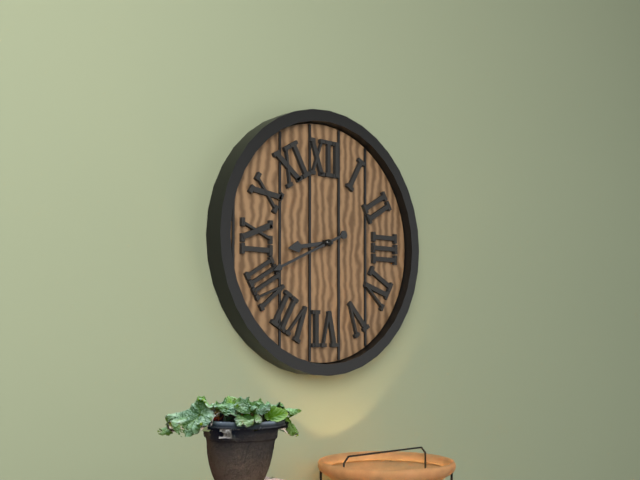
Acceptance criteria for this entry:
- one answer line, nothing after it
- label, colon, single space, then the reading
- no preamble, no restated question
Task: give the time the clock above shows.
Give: 8:41
